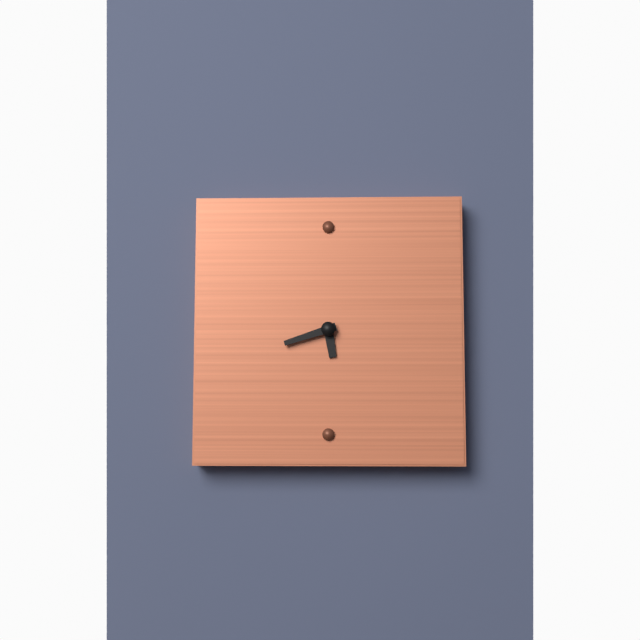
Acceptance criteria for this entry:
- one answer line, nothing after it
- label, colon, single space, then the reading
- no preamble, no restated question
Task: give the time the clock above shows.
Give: 5:42
